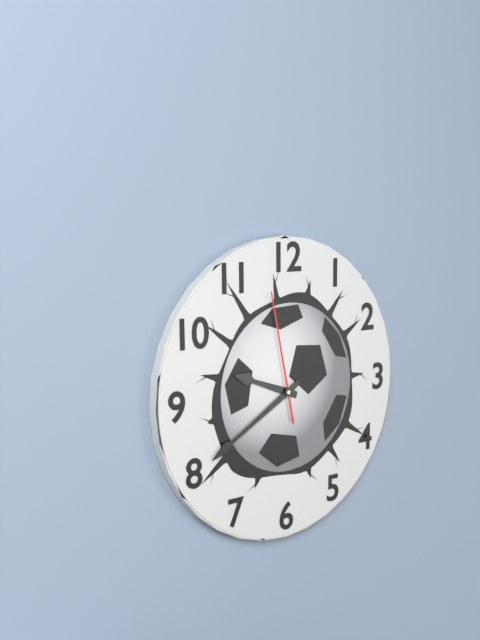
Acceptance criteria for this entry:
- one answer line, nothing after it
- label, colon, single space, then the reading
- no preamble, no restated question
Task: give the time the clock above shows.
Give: 9:40:58
